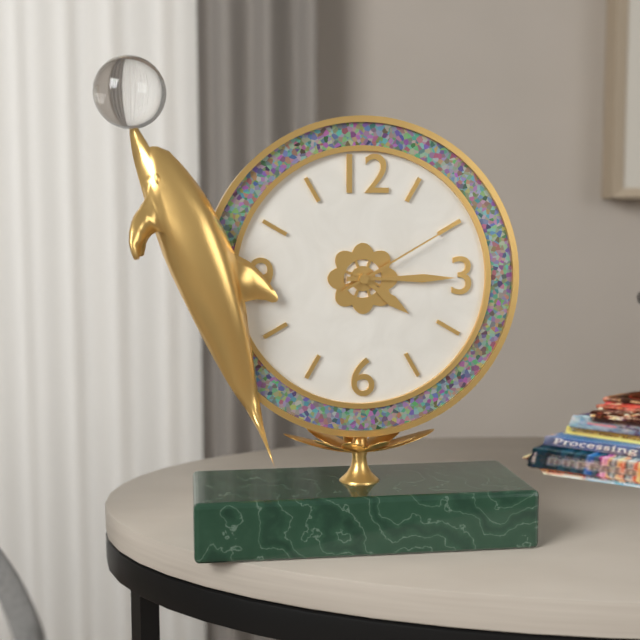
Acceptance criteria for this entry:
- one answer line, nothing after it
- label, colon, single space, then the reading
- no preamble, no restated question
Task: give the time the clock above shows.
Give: 4:15:10
